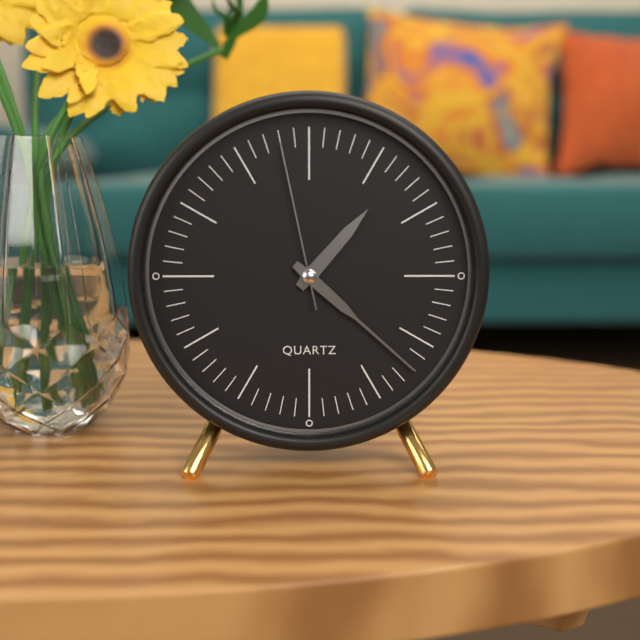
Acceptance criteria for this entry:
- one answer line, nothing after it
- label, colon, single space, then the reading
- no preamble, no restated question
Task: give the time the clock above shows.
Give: 1:22:58
